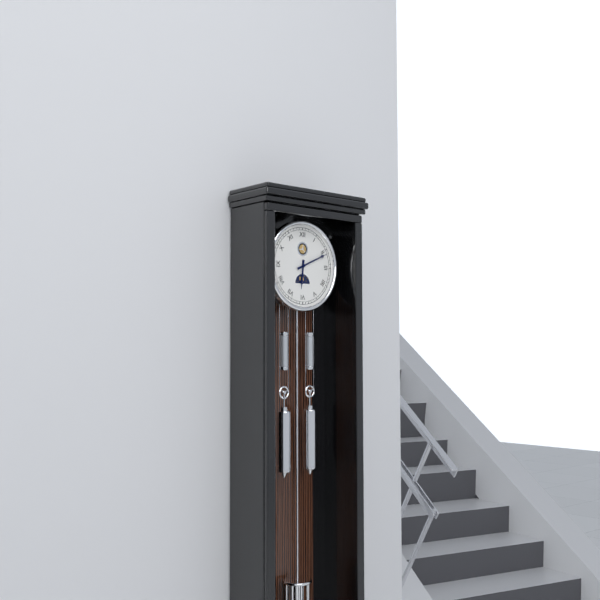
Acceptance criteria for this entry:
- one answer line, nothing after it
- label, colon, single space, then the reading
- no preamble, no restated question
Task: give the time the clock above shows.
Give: 6:11
